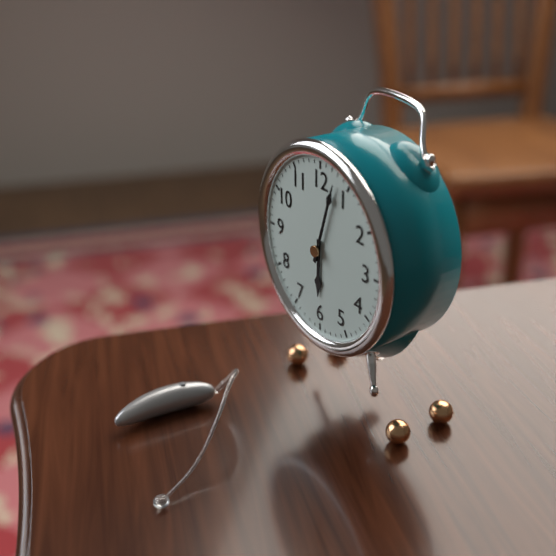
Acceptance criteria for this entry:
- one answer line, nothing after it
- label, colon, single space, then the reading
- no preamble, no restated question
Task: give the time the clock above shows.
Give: 6:03
